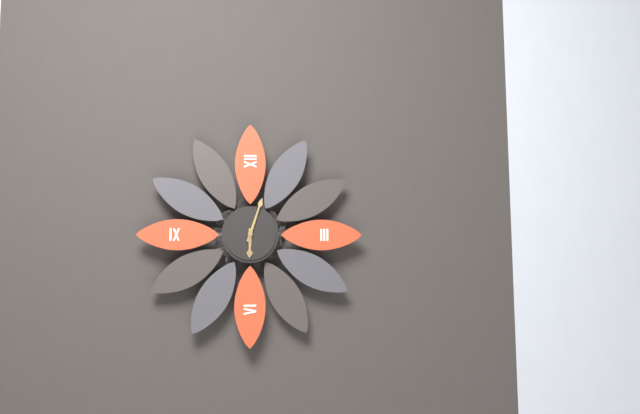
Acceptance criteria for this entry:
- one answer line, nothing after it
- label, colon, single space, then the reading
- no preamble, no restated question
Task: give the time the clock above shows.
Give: 6:03
